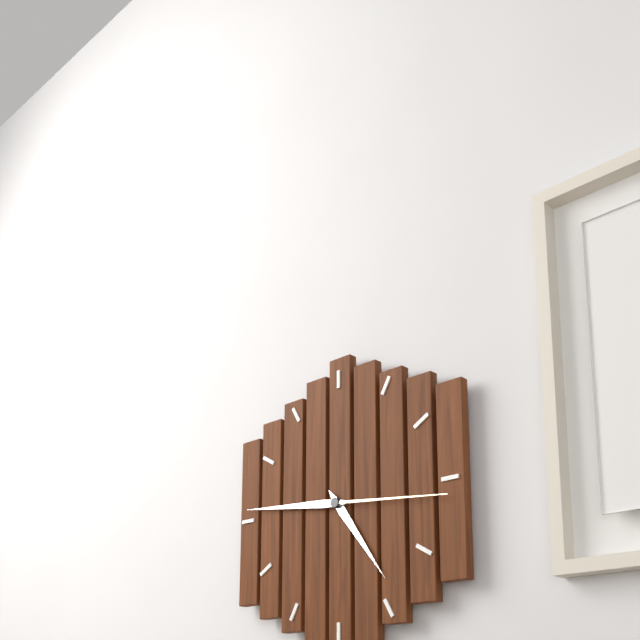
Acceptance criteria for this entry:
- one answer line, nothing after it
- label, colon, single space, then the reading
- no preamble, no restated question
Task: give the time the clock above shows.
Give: 4:46:16
